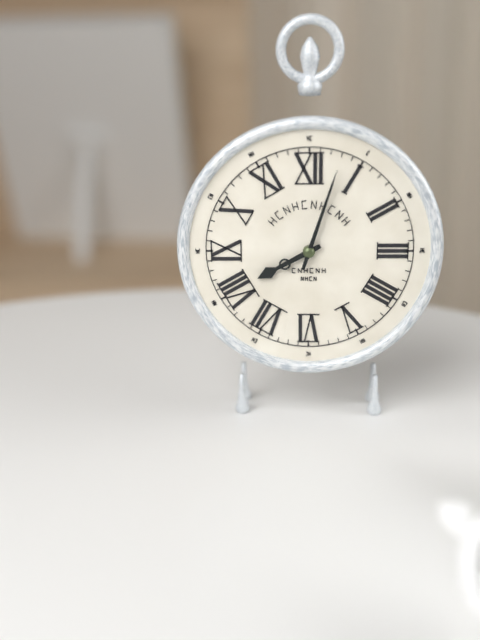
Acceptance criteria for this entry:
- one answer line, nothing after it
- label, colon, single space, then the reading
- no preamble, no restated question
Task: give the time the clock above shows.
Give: 8:03
